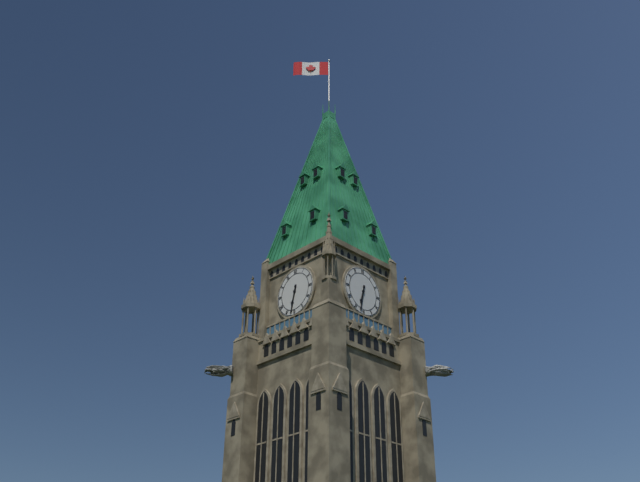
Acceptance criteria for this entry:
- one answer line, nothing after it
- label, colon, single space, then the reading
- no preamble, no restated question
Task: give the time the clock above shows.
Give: 6:32
